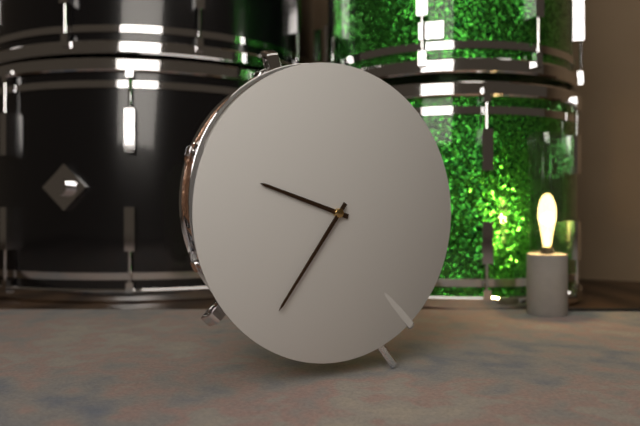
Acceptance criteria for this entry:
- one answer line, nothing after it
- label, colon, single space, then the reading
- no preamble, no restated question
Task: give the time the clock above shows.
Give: 9:36
